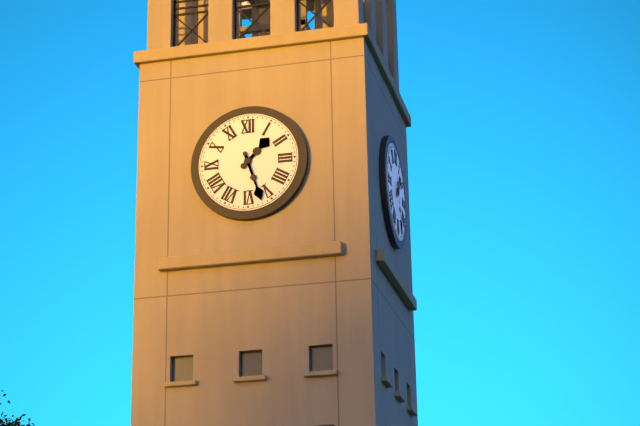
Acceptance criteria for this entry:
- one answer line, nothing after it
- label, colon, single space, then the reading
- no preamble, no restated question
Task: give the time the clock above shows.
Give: 1:27
